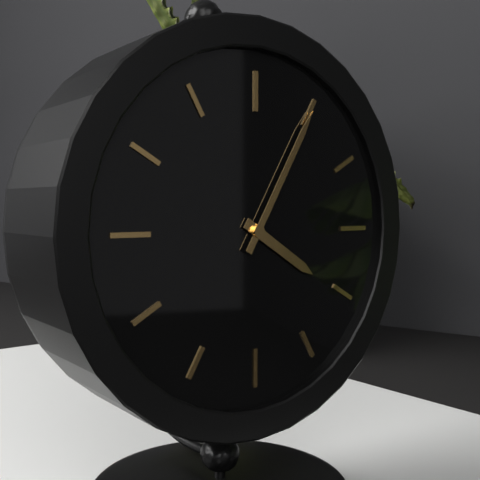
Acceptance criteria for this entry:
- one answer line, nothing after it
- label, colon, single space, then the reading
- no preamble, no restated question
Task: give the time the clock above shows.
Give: 4:05
